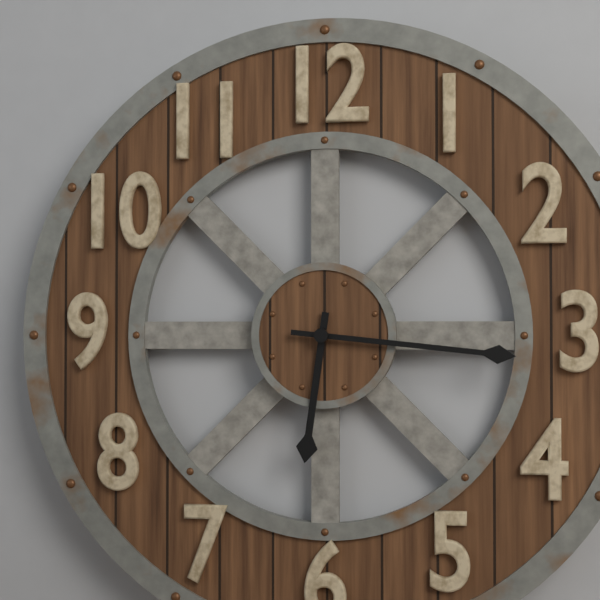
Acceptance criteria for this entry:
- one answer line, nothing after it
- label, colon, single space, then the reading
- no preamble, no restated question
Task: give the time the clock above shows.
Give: 6:16
